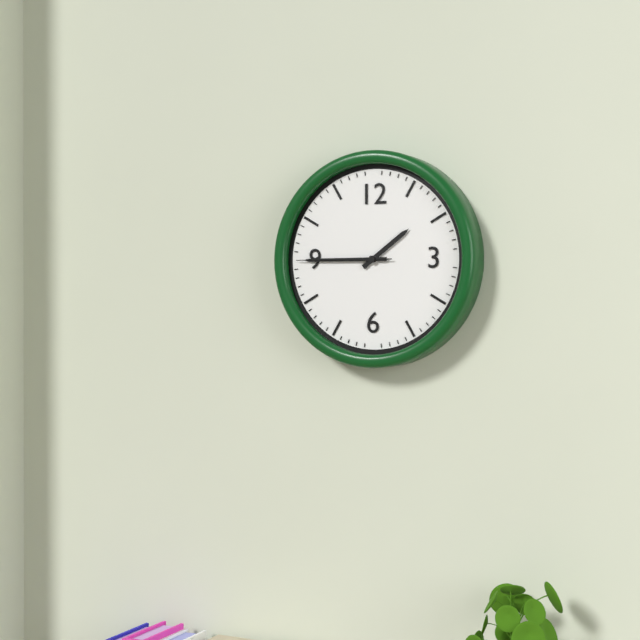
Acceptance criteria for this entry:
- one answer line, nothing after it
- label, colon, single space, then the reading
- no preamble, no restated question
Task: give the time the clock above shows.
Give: 1:45:45
